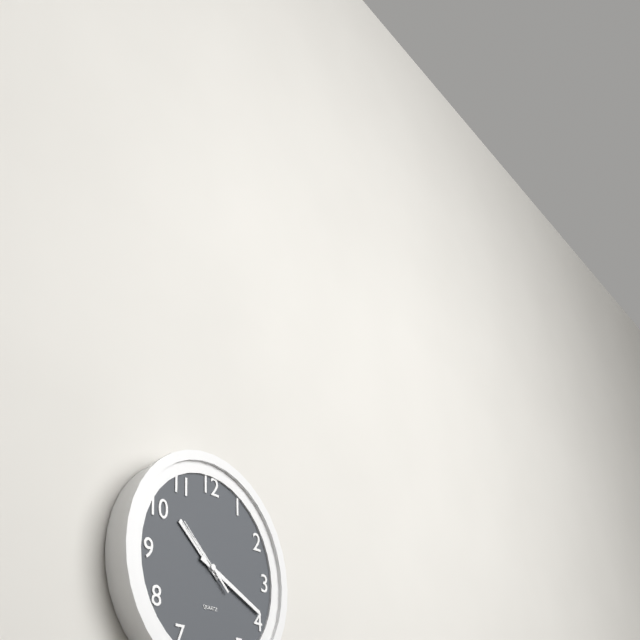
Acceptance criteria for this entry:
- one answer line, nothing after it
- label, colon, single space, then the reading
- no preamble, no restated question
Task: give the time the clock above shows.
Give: 10:19:52
